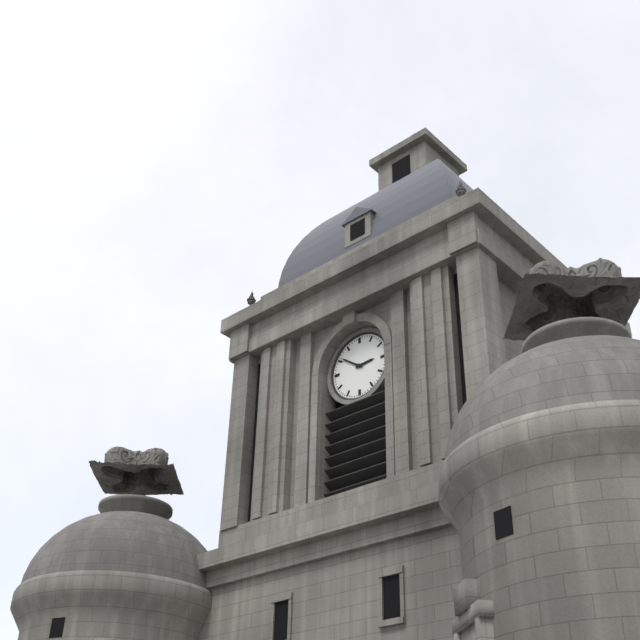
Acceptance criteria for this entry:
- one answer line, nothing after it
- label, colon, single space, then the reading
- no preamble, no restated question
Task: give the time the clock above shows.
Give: 2:51
